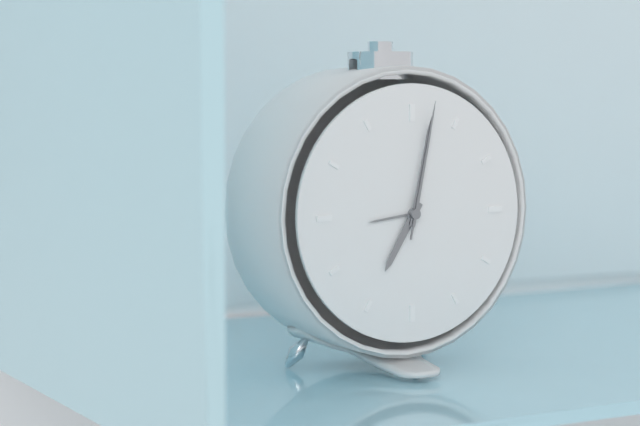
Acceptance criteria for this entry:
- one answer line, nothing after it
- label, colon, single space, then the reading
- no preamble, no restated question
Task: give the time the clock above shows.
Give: 7:02:02
